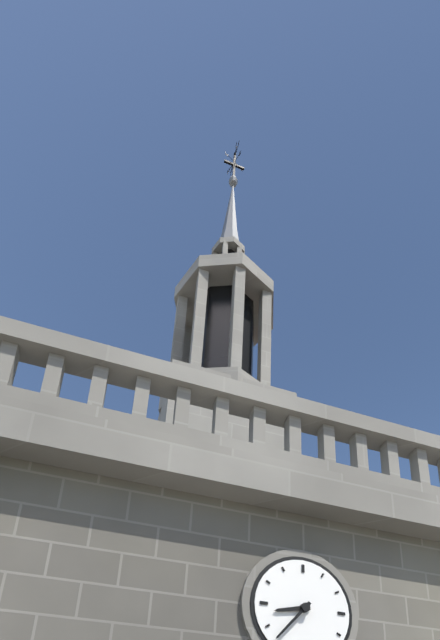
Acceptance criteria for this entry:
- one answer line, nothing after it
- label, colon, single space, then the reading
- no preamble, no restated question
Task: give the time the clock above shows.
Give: 8:37
